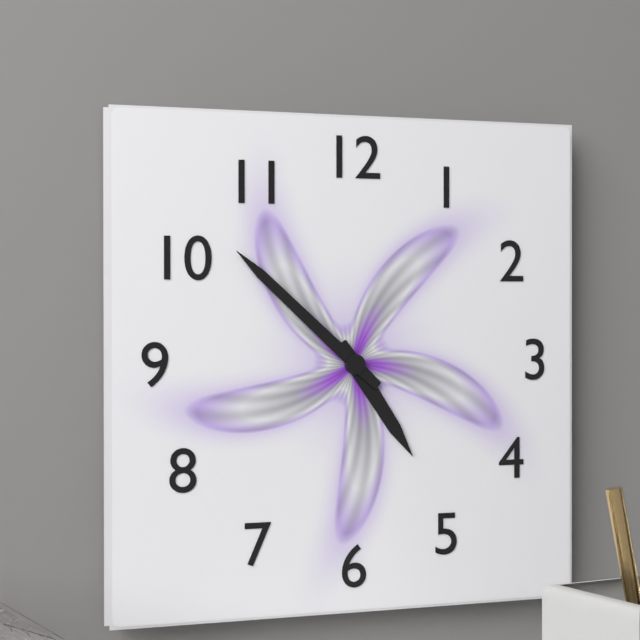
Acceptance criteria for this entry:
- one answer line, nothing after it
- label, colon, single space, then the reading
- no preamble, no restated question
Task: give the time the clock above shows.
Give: 4:52
